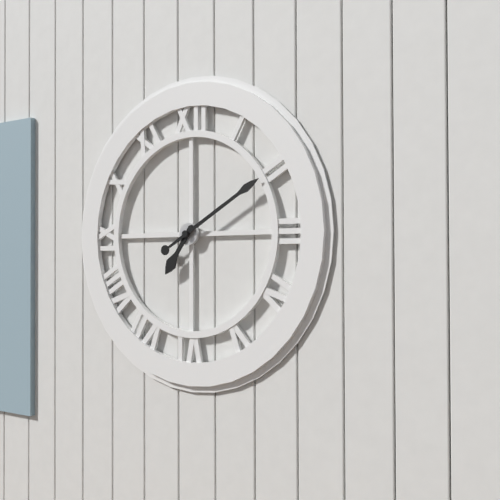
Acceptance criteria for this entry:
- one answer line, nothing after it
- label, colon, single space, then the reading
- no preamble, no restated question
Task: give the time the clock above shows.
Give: 7:10
